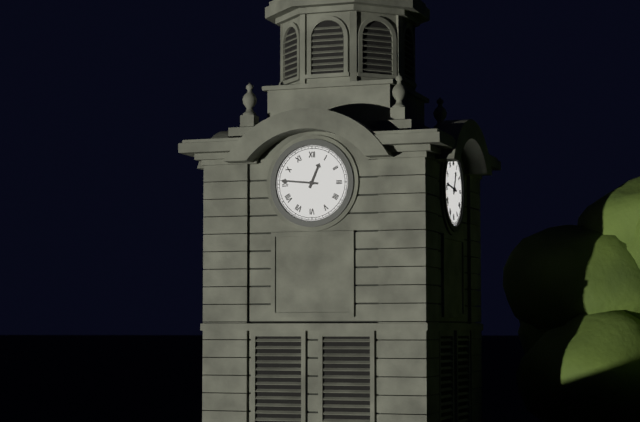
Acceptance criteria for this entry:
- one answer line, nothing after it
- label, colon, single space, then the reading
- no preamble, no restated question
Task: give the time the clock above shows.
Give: 12:46
